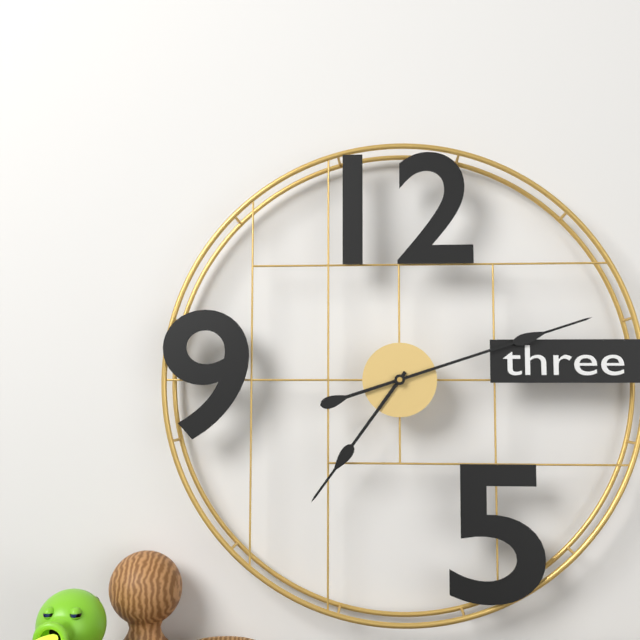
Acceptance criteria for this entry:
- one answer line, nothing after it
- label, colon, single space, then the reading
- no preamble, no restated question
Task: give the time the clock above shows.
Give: 7:12
